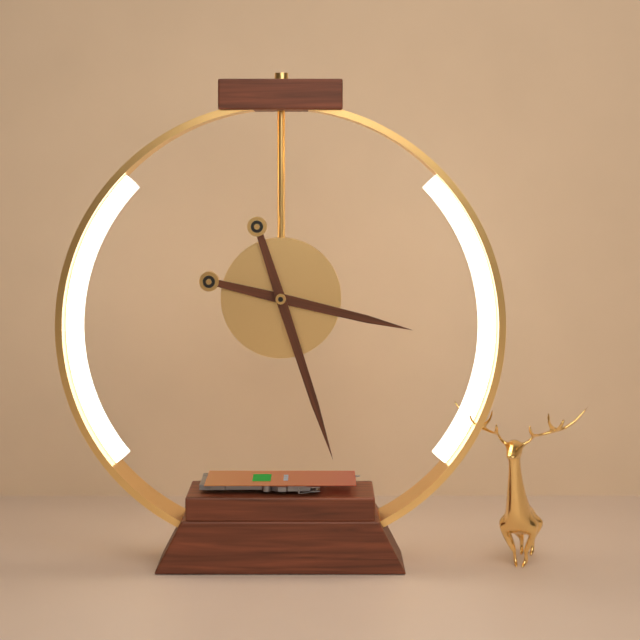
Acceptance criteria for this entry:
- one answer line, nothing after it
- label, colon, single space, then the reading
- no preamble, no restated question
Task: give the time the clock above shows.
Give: 3:27
